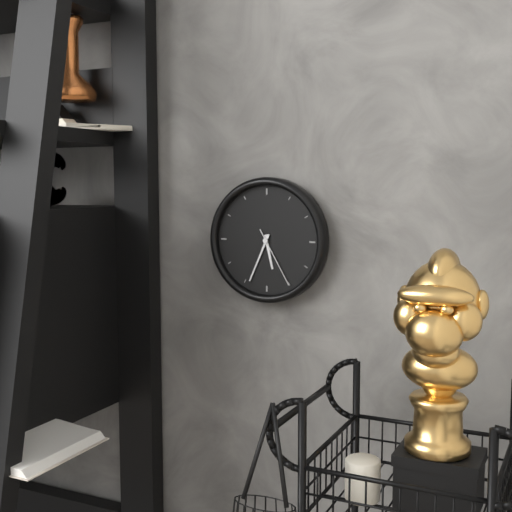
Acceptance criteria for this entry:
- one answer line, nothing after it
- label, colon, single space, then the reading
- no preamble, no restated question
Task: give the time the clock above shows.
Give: 5:34:25
